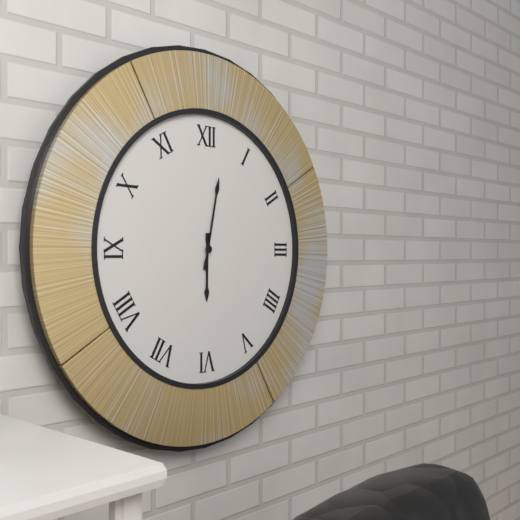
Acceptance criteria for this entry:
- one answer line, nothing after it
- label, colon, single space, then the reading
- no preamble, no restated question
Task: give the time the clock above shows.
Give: 6:02
